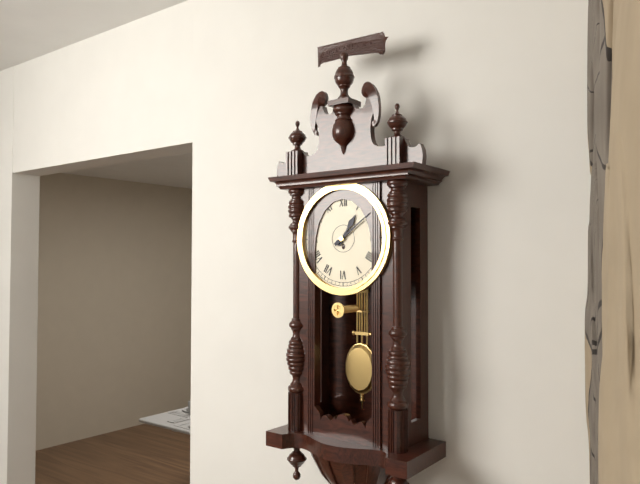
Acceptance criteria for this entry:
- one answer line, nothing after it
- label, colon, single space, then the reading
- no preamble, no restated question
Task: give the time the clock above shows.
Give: 1:09
